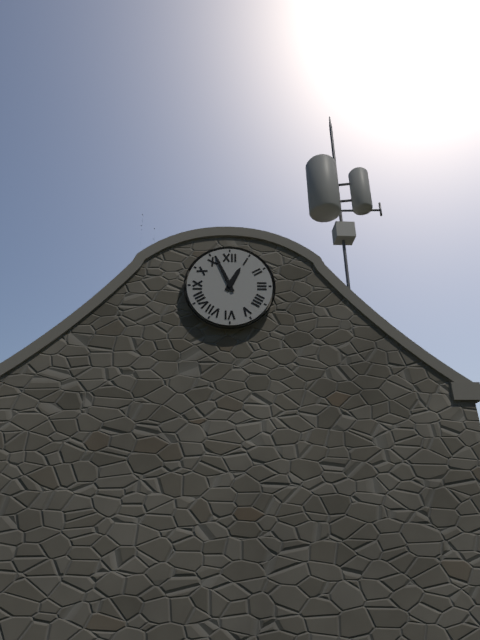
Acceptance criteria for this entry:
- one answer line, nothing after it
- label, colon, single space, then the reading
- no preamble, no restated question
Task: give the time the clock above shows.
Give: 12:56
